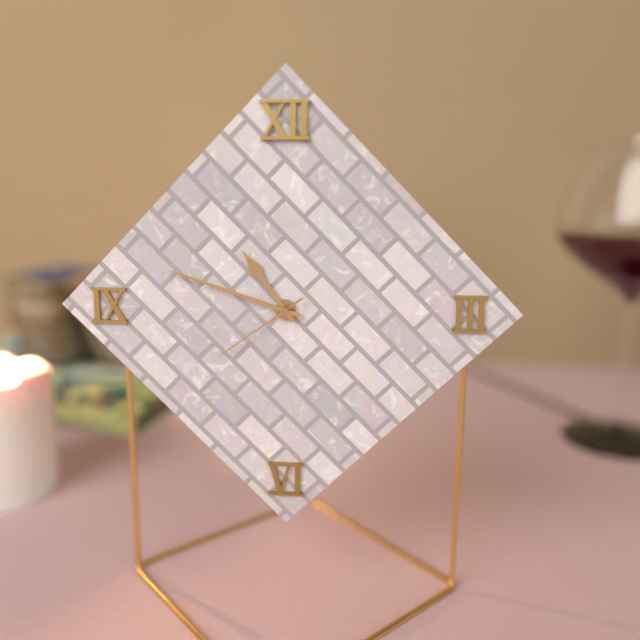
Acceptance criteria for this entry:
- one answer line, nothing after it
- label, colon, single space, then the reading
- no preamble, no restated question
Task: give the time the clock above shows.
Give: 10:48:39
